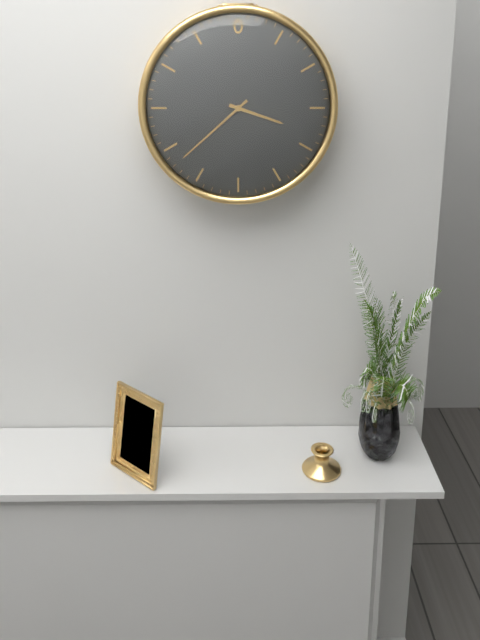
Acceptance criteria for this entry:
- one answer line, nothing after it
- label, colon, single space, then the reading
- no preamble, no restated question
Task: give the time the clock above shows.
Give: 3:38
